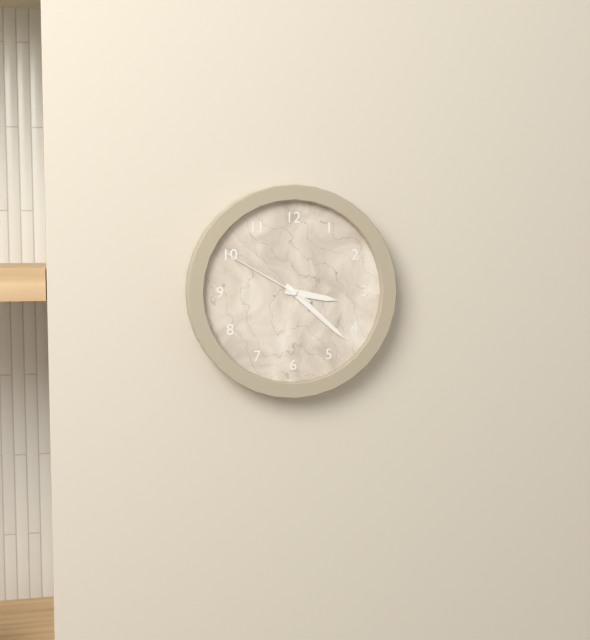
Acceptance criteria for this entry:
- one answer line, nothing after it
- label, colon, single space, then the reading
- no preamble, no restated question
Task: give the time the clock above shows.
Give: 3:22:50
